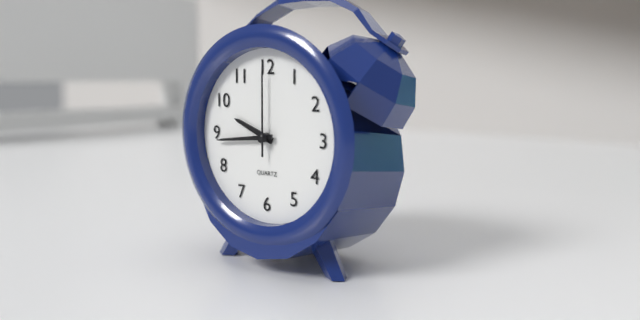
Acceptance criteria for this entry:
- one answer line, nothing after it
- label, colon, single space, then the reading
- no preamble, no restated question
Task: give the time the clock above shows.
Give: 9:44:00
